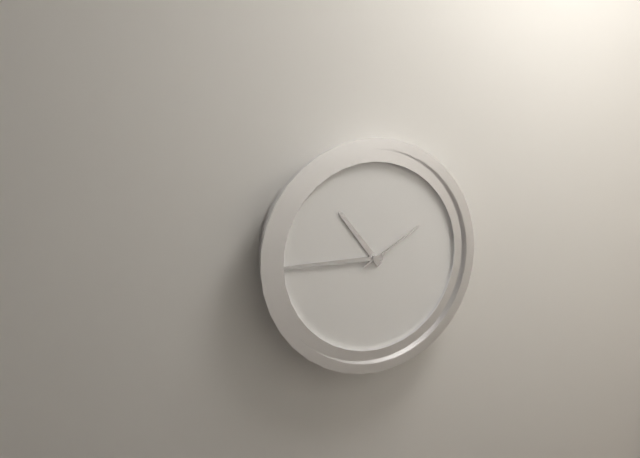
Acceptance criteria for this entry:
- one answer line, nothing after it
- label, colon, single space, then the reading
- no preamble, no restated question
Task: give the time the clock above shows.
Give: 10:45:10
